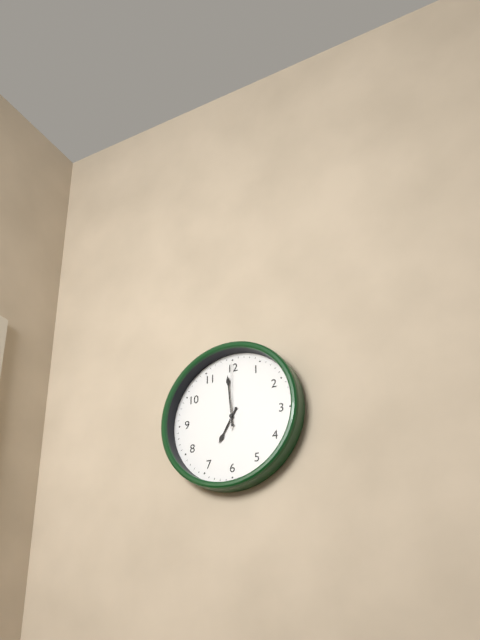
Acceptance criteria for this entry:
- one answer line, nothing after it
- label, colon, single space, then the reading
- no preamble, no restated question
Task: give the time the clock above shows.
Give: 6:59:00
